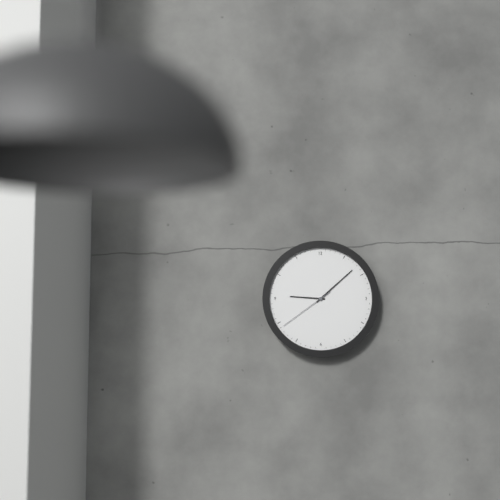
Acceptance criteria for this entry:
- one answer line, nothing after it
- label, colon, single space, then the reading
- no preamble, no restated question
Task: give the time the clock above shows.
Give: 9:08:39
